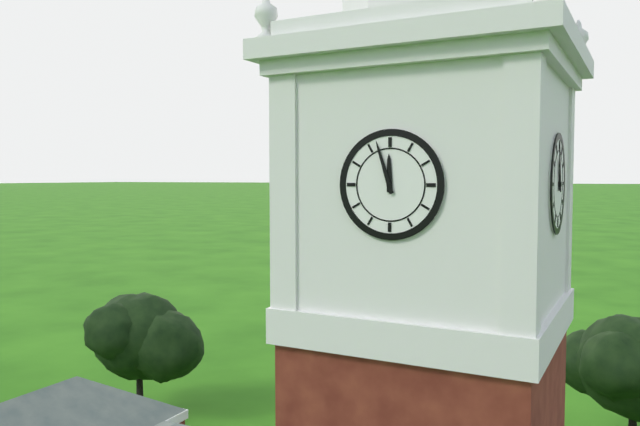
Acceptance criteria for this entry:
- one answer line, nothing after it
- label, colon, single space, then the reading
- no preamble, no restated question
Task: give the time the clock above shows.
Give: 11:57
